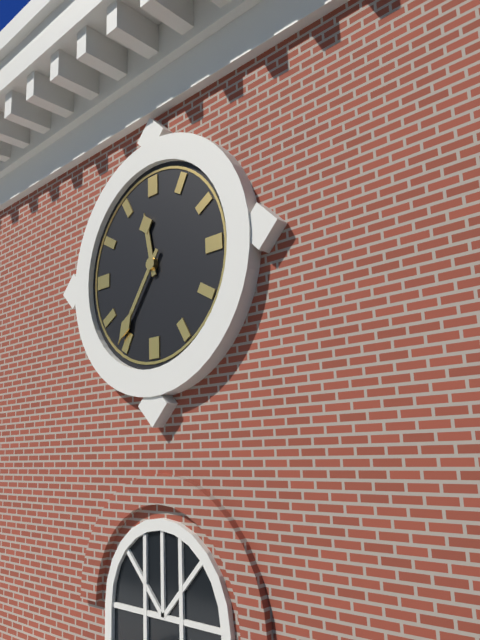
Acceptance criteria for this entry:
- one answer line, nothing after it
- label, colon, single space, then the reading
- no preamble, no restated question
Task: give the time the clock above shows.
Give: 11:36
